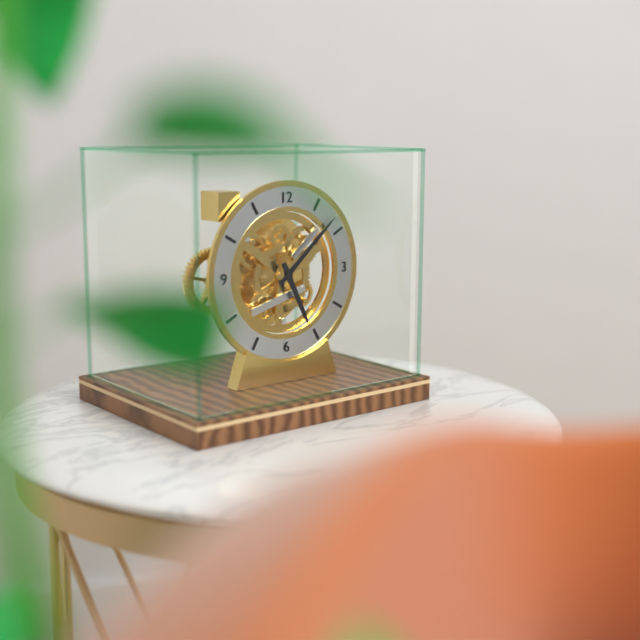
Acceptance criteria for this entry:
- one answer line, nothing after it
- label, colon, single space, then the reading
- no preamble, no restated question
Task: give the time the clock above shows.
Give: 5:08
